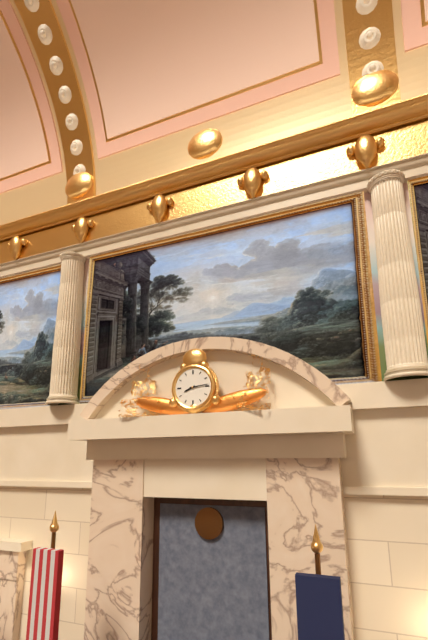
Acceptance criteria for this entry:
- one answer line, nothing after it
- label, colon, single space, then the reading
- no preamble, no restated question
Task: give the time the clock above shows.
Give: 8:14
